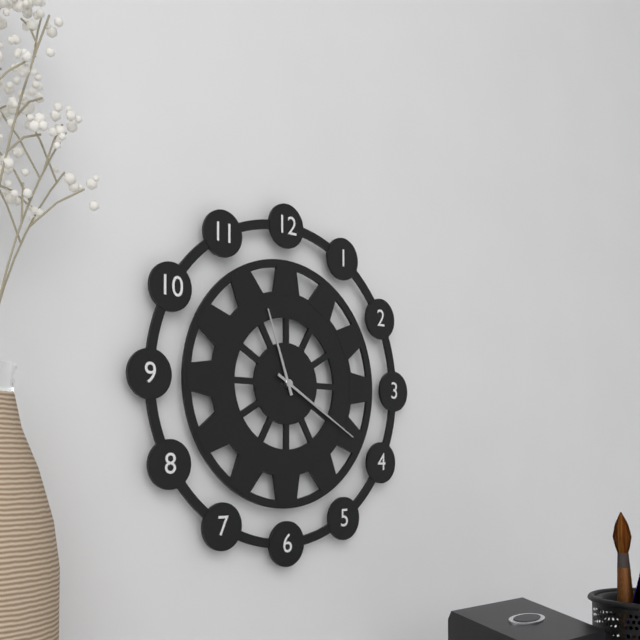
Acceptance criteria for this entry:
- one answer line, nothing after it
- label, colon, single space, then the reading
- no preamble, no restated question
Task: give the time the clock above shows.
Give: 11:20
